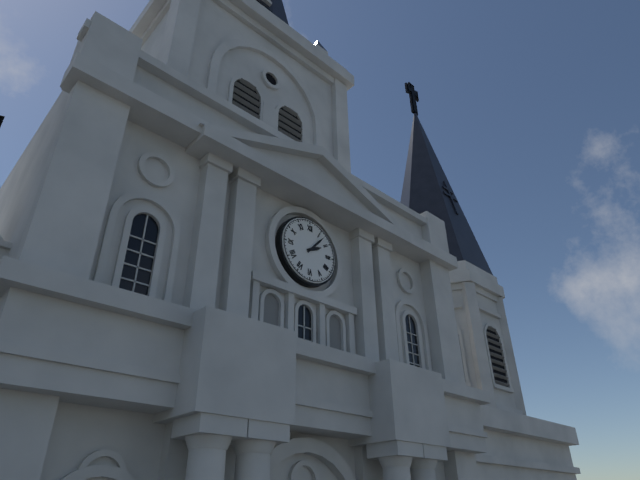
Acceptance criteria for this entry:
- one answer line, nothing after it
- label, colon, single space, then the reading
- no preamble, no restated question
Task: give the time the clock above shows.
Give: 2:07
